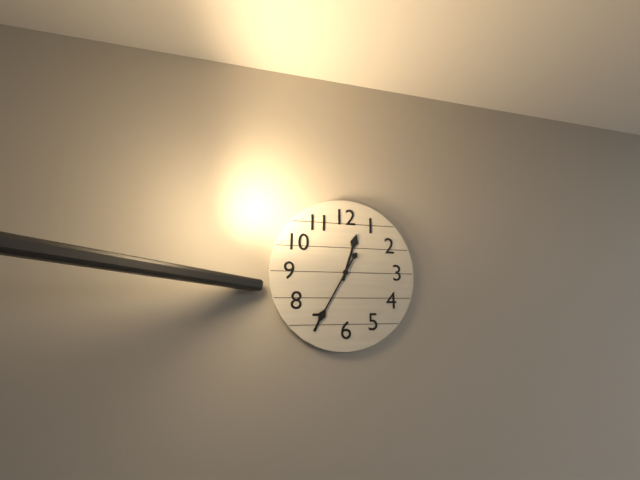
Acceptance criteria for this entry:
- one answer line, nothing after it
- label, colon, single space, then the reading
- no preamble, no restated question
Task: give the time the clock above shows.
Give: 12:35
